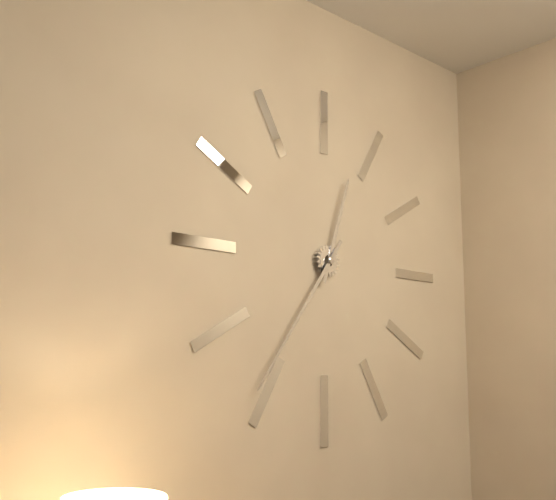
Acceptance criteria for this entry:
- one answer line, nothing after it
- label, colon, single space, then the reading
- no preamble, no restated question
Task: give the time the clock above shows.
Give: 12:36
